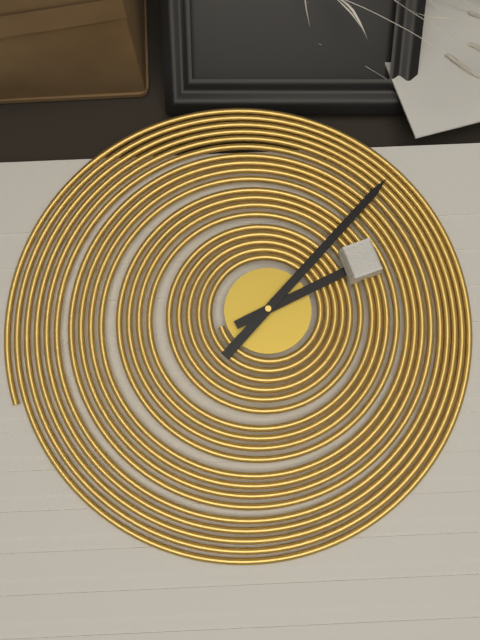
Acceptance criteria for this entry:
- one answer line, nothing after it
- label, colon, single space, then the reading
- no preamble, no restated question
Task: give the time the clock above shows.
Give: 2:07
